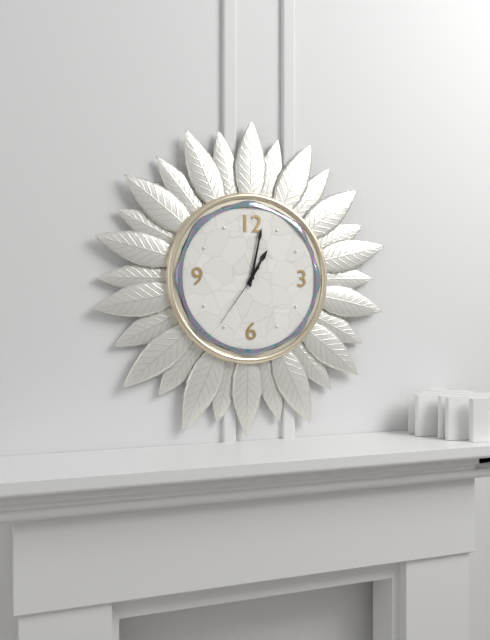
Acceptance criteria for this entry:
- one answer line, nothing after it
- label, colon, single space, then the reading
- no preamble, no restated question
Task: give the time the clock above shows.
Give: 1:02:36
